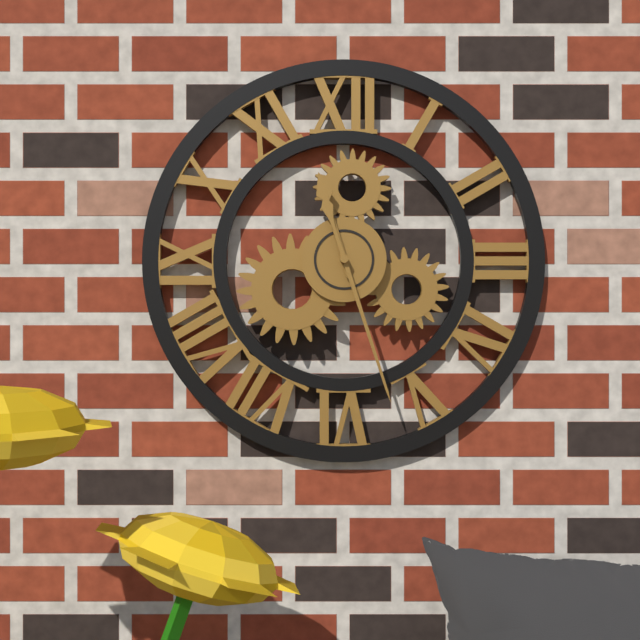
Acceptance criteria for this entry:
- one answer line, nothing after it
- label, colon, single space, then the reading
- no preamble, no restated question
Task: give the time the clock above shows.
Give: 11:27
